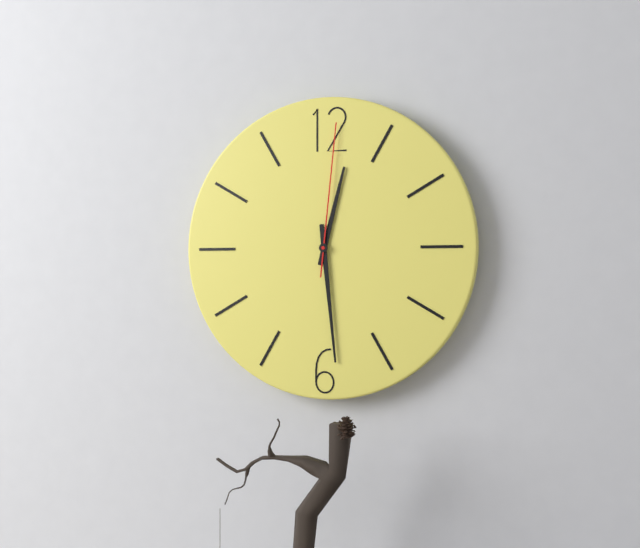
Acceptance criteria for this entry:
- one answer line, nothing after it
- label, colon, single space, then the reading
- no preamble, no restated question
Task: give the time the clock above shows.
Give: 12:29:01
